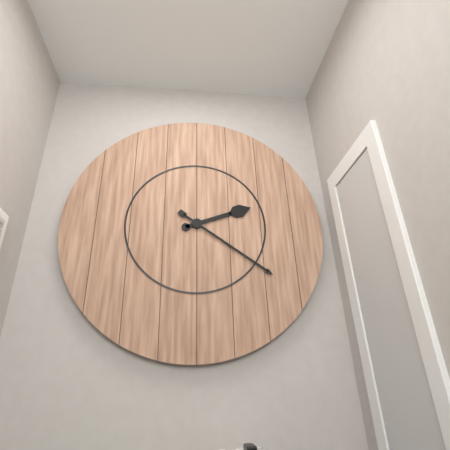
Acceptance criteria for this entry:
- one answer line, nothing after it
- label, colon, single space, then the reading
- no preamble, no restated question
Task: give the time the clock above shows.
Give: 2:21
